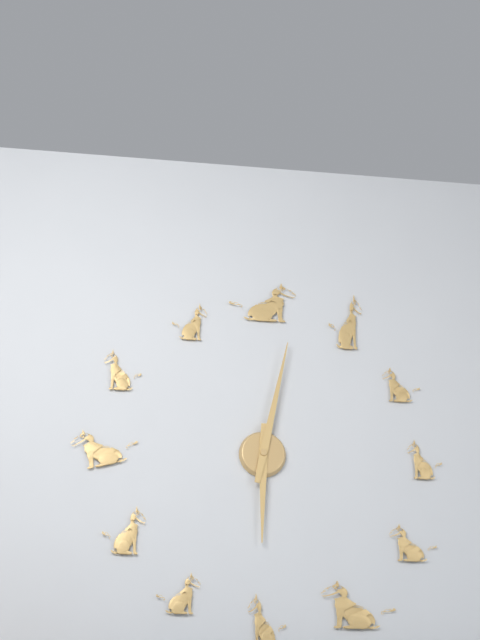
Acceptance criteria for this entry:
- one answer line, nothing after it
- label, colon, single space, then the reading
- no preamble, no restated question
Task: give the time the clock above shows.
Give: 6:02
